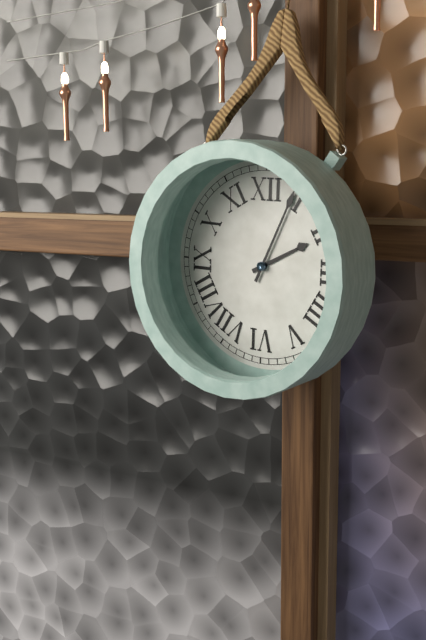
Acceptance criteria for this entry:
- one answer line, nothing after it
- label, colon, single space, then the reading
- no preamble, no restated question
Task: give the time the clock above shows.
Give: 2:04
